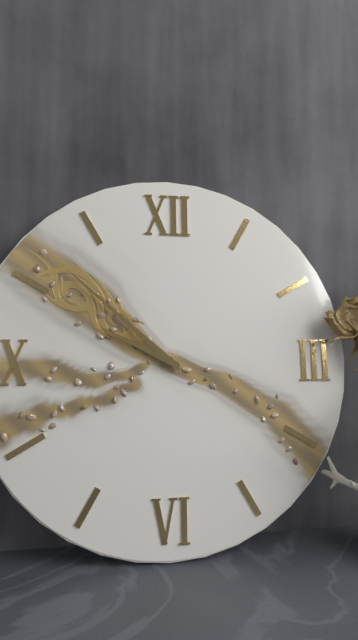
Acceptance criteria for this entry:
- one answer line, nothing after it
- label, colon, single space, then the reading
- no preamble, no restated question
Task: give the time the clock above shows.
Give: 9:52
